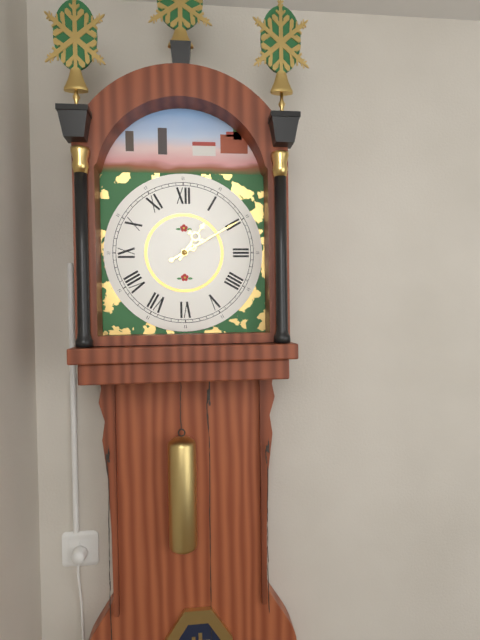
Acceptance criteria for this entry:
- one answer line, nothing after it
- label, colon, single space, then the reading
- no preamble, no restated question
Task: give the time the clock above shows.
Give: 1:10
